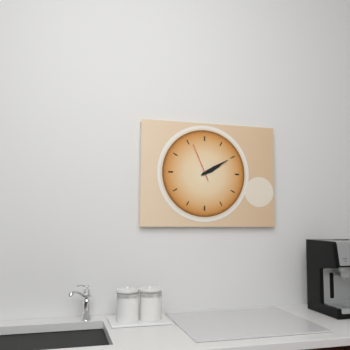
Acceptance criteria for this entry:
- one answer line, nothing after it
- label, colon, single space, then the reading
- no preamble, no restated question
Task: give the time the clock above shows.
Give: 2:10
